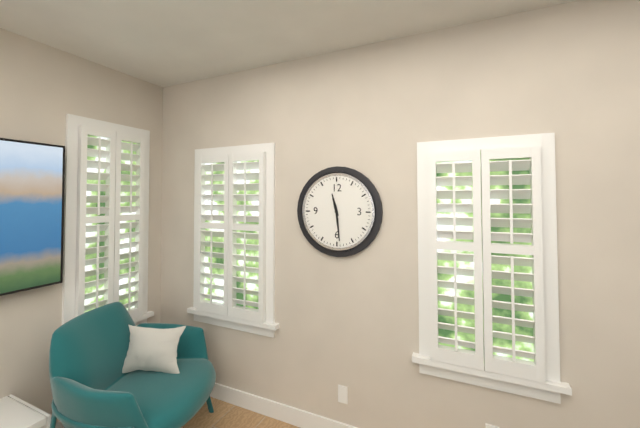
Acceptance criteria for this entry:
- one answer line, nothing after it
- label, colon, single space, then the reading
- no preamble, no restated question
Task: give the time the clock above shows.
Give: 11:29
